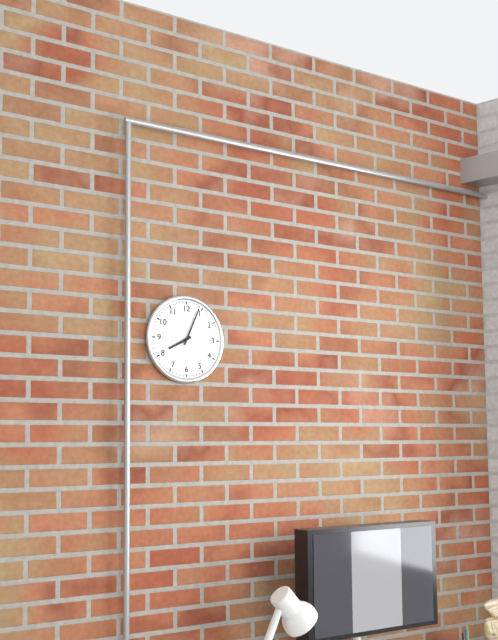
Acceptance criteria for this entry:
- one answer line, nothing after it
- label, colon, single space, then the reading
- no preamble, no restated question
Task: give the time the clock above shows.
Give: 8:04
